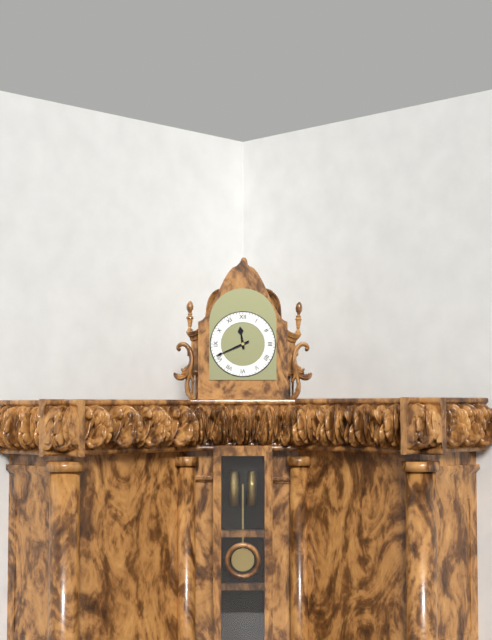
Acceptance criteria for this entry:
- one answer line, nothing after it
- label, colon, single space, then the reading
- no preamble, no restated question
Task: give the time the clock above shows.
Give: 11:41
